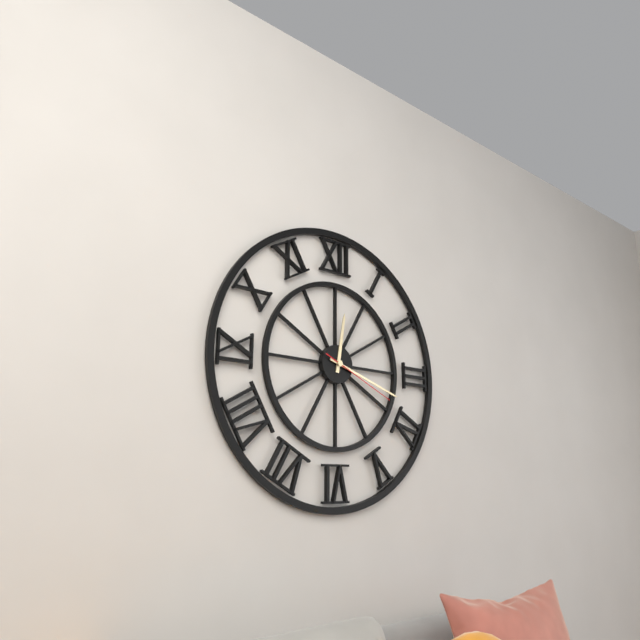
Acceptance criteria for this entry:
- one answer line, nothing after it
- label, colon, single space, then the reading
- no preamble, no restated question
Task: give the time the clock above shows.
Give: 12:18:19
